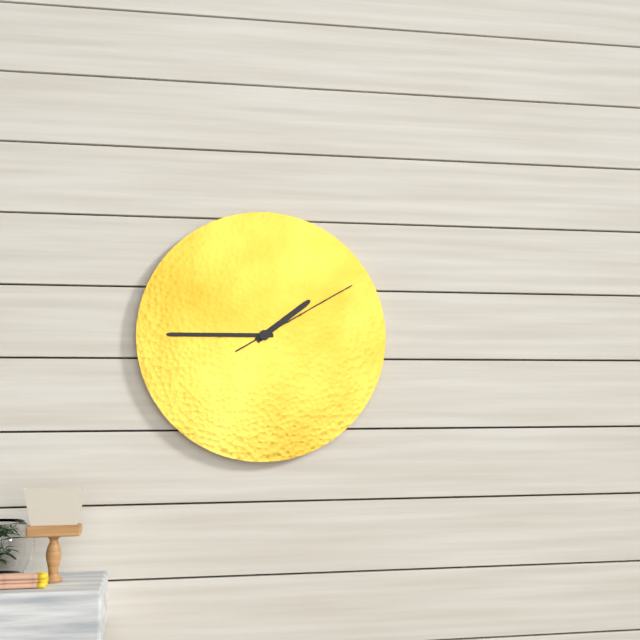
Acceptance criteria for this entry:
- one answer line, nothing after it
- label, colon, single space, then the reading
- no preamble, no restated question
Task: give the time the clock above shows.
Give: 1:45:10
